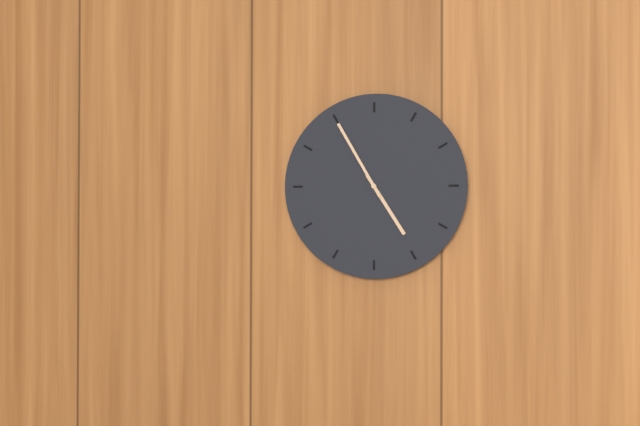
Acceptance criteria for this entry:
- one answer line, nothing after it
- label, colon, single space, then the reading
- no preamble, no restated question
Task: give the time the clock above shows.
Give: 4:55
